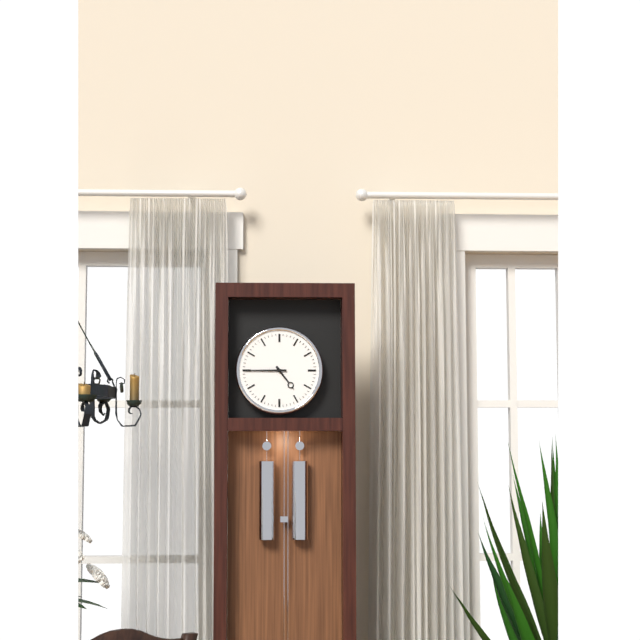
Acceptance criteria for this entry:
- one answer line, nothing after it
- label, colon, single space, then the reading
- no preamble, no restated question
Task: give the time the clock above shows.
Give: 4:45
